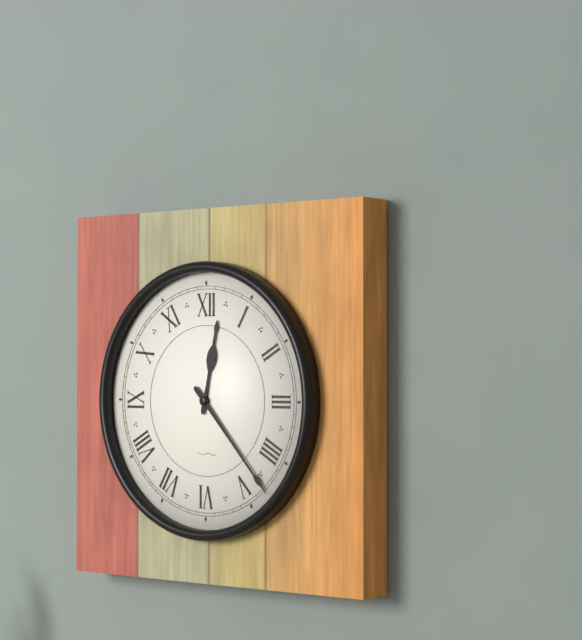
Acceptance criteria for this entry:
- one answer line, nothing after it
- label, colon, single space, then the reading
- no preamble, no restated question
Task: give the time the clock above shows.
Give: 12:23
